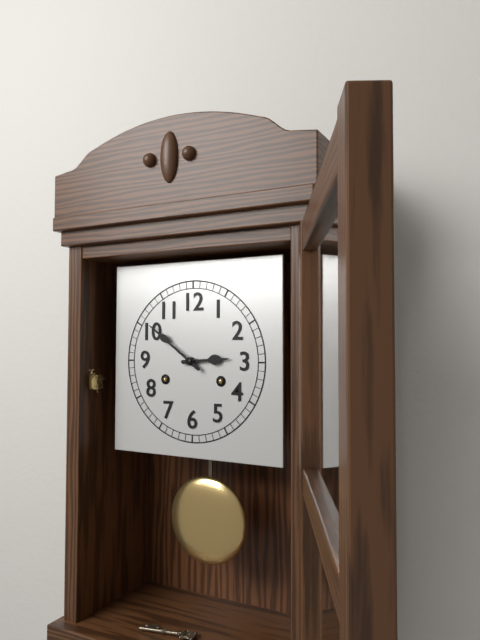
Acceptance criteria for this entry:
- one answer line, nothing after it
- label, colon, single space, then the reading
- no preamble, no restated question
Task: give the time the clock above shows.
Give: 2:51
